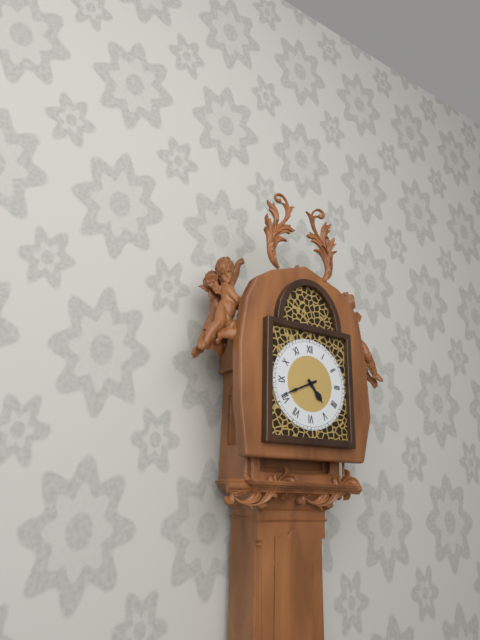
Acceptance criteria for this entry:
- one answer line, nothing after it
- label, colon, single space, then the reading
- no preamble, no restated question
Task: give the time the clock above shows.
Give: 4:41
